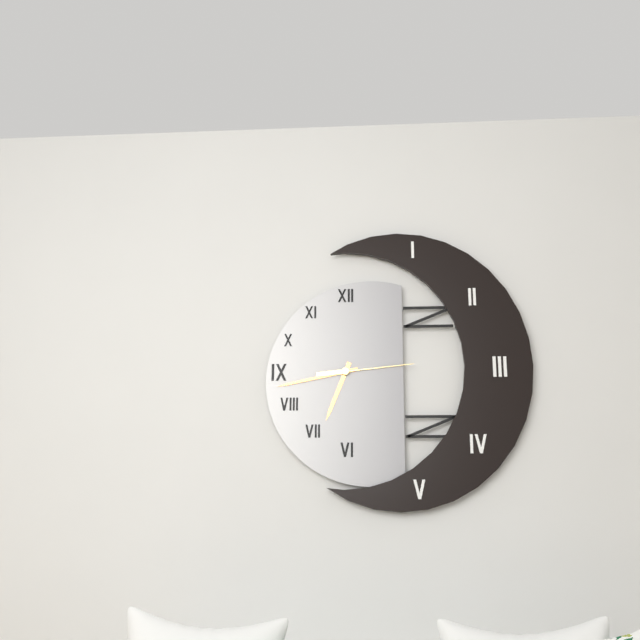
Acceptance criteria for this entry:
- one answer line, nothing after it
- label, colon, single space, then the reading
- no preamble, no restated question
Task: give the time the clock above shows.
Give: 6:43:14
